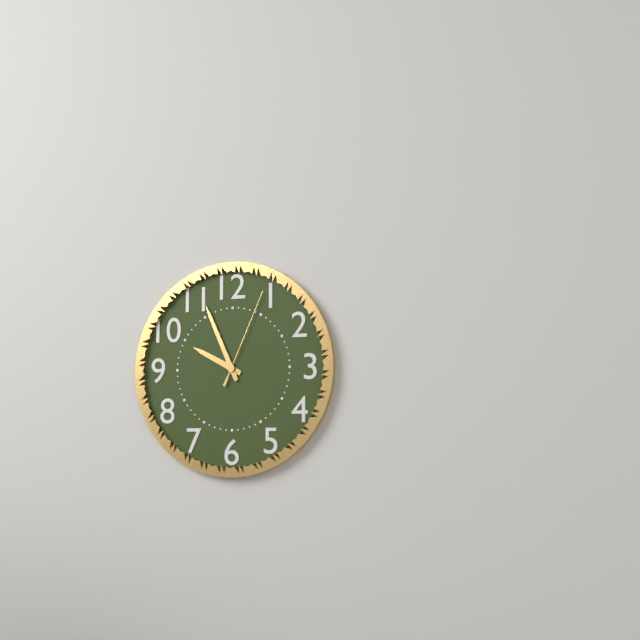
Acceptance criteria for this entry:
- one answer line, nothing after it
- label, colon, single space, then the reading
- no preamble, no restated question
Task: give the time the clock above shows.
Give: 9:56:04
